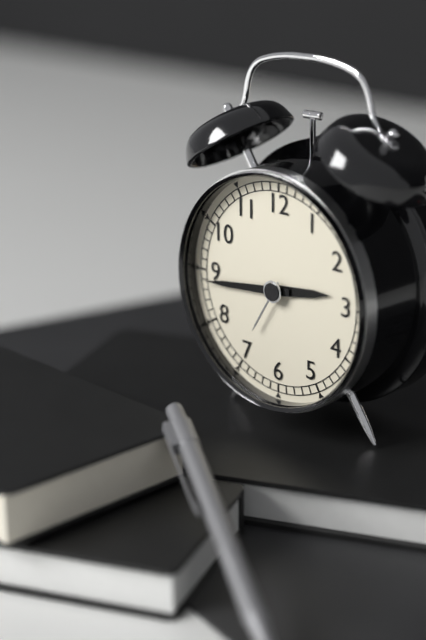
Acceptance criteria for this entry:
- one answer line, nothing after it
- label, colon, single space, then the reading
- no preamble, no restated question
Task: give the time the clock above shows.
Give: 2:44
